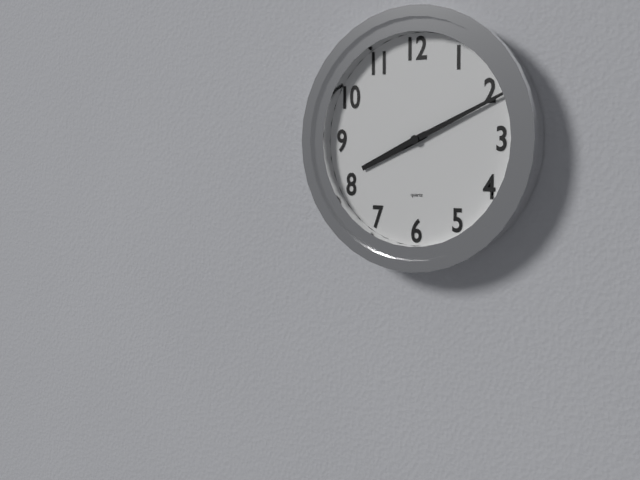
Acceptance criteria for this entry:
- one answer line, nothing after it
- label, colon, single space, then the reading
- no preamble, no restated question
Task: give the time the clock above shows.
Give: 8:11
